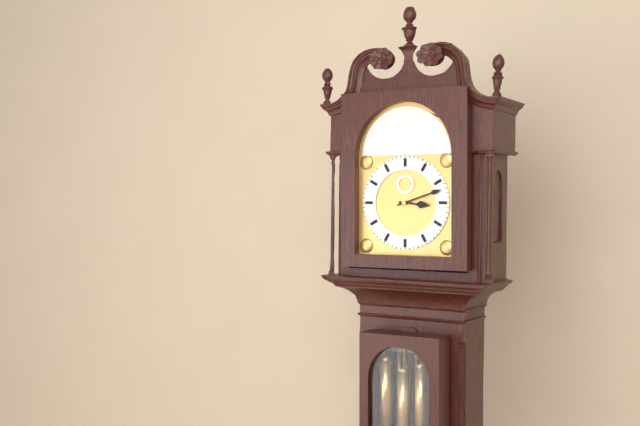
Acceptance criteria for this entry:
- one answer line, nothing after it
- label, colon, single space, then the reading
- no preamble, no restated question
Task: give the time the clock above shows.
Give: 3:12
